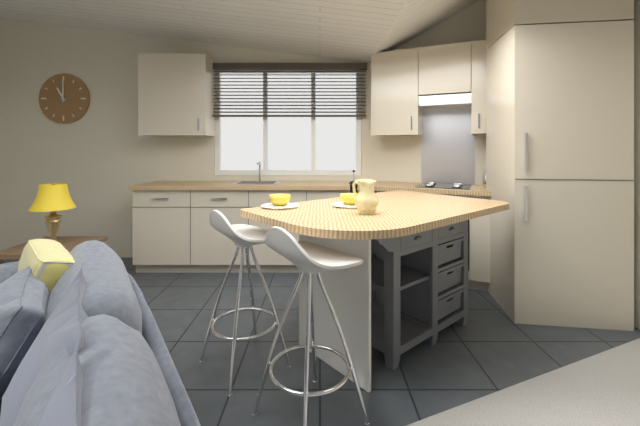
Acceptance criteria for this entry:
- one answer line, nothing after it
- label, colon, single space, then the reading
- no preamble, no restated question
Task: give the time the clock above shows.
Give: 11:00
